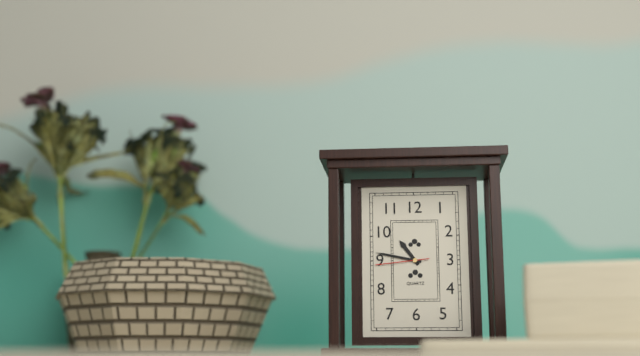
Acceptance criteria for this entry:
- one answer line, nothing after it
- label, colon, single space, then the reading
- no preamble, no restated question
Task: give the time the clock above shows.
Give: 10:47:44
